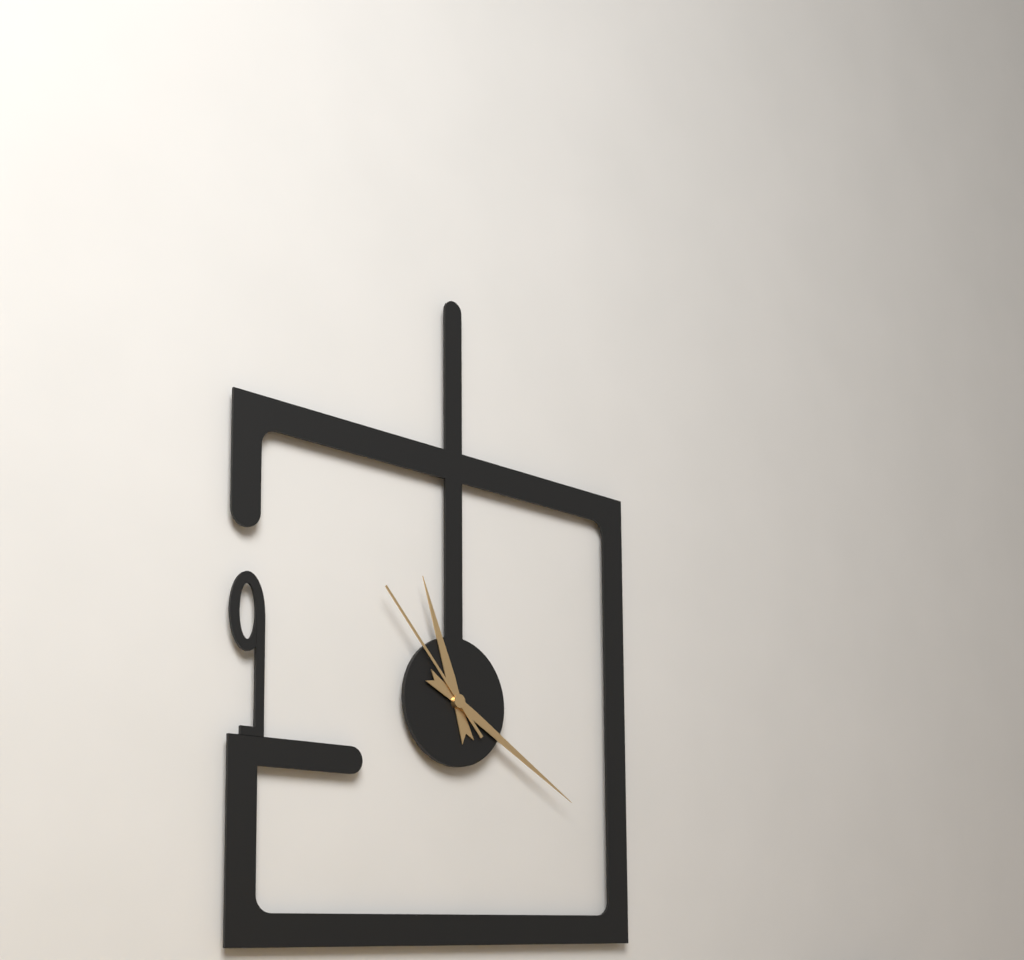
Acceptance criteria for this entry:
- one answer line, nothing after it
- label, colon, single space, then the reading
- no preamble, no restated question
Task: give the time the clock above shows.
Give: 11:20:53
